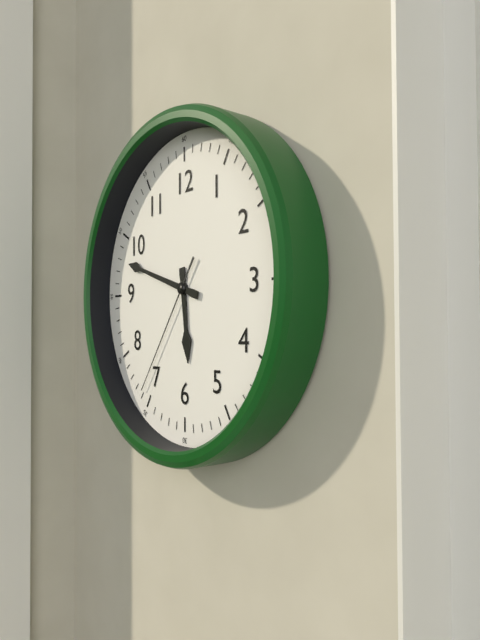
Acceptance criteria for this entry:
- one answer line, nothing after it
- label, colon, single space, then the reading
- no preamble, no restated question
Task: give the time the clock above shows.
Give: 5:48:36
